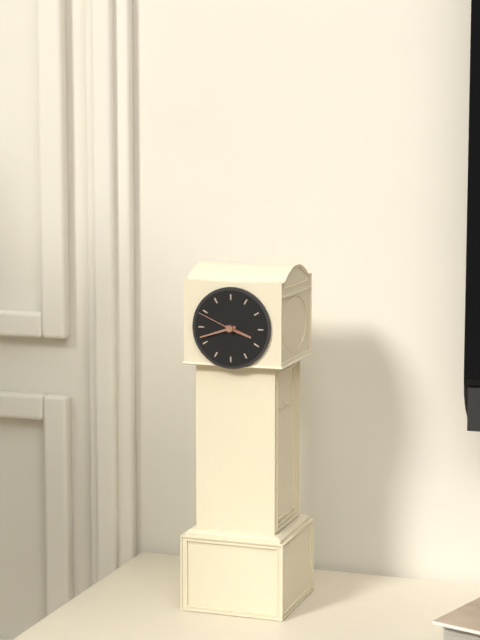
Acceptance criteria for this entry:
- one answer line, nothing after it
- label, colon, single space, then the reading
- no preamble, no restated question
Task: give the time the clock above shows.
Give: 3:42
